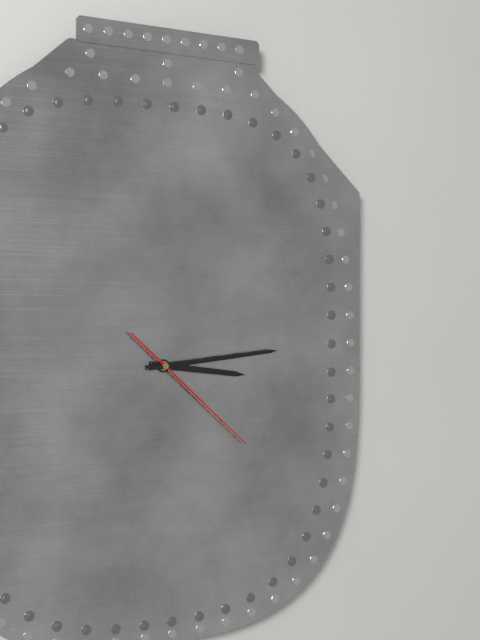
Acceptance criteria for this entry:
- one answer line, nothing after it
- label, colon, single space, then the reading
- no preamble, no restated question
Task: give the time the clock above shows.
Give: 3:14:22
